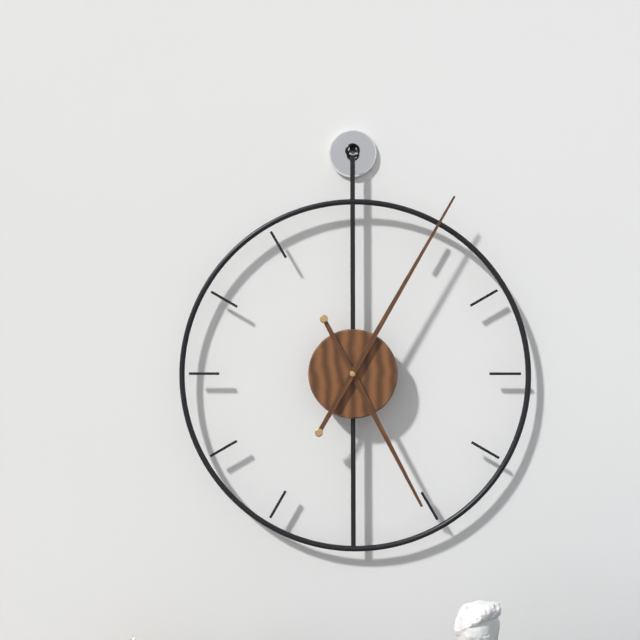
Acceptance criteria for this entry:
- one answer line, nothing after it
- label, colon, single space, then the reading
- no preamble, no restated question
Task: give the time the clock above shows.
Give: 5:05
